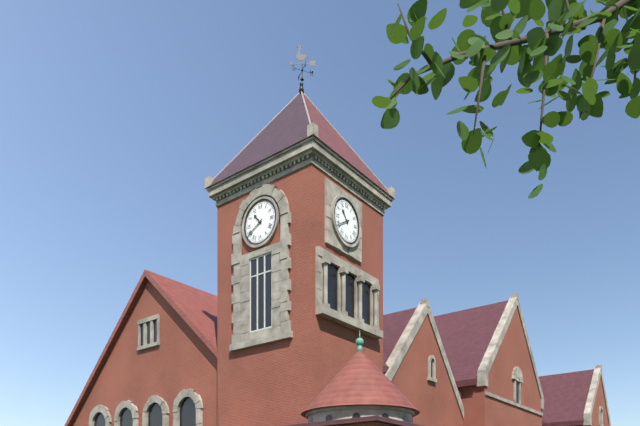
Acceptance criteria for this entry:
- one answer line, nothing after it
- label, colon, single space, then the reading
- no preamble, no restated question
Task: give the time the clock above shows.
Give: 10:40
